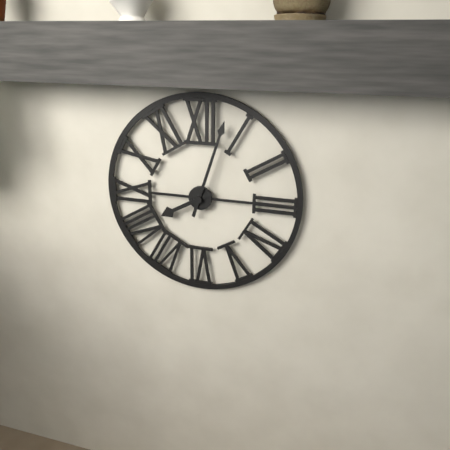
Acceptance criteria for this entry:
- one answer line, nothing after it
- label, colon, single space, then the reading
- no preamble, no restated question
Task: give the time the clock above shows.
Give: 8:03
